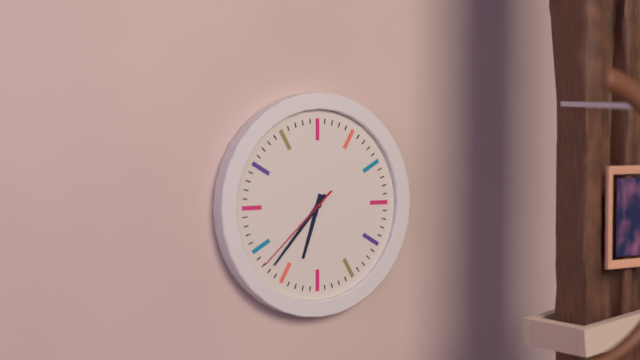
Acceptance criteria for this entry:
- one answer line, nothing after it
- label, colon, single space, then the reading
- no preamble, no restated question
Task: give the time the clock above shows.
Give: 6:37:38
